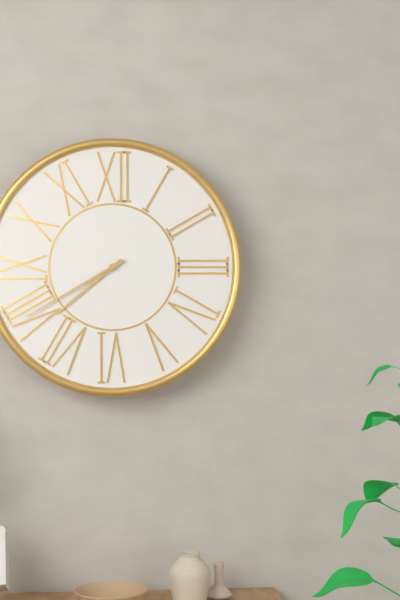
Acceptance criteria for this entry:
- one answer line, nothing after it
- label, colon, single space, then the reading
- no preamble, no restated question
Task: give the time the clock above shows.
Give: 7:40
